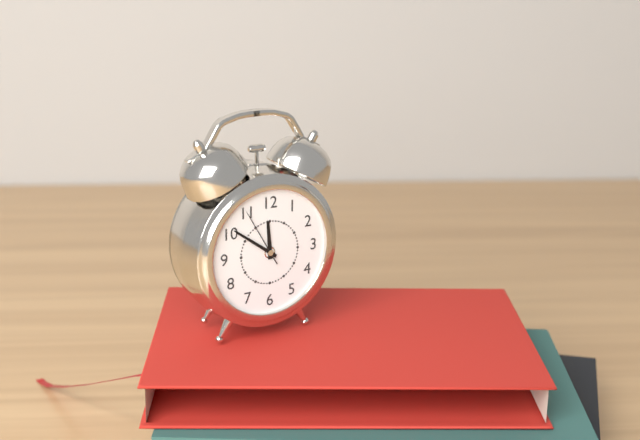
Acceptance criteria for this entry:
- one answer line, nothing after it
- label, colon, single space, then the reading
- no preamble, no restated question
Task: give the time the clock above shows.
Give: 11:51:55
